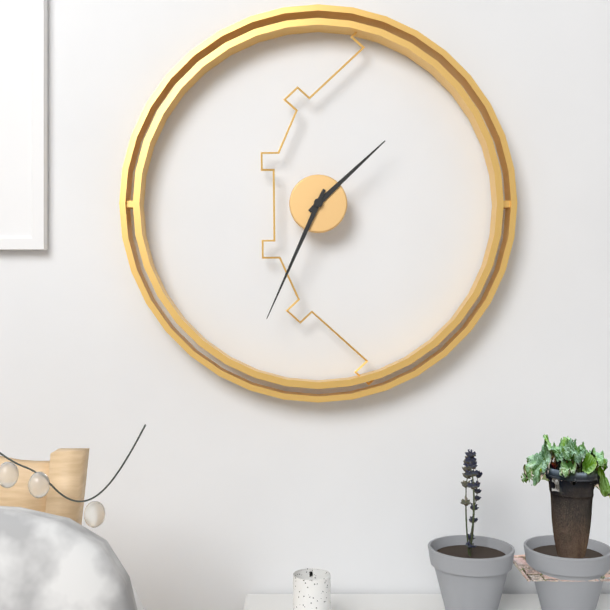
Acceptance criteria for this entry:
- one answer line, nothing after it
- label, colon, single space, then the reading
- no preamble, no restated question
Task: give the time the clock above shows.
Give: 1:34
